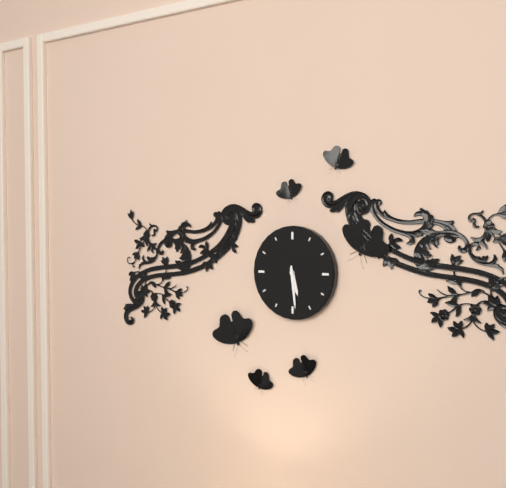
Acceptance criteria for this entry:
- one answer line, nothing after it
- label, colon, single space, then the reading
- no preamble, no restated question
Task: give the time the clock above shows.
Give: 5:29
